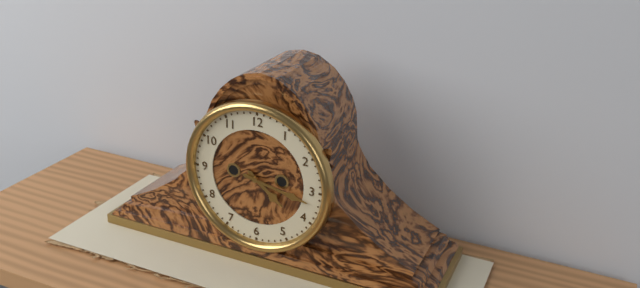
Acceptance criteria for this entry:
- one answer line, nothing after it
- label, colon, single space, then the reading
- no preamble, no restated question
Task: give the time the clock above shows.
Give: 4:17
